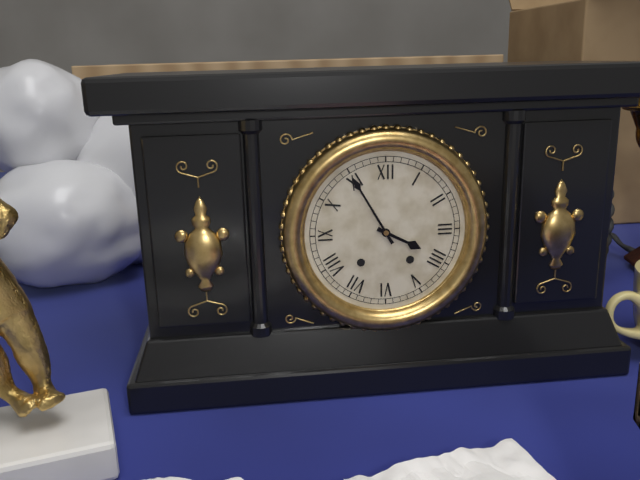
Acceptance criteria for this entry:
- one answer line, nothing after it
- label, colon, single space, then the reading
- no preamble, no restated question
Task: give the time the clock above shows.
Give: 3:55
